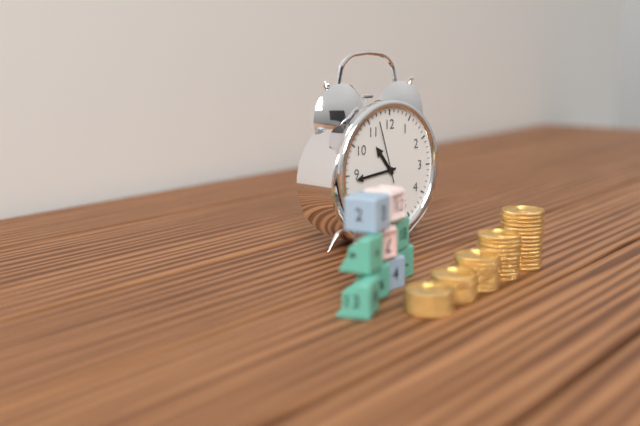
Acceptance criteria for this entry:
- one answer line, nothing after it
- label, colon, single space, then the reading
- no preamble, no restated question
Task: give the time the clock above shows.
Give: 10:44:57
